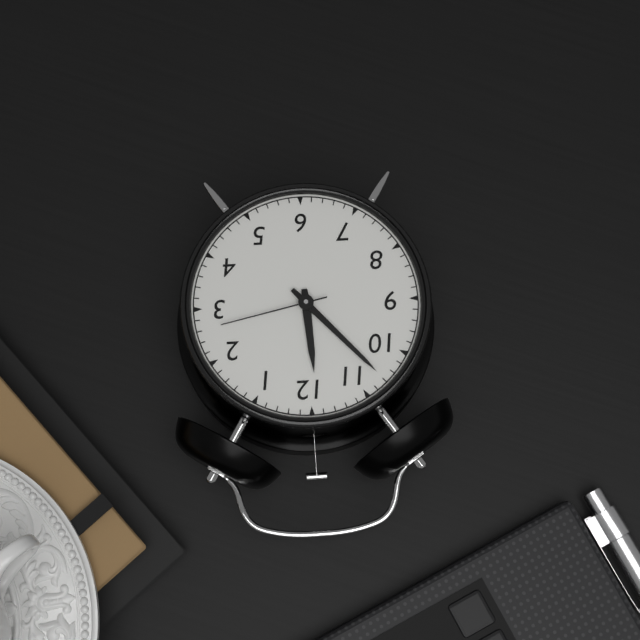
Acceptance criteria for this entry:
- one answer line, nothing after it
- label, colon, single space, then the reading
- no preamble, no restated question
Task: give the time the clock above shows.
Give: 11:53:13
